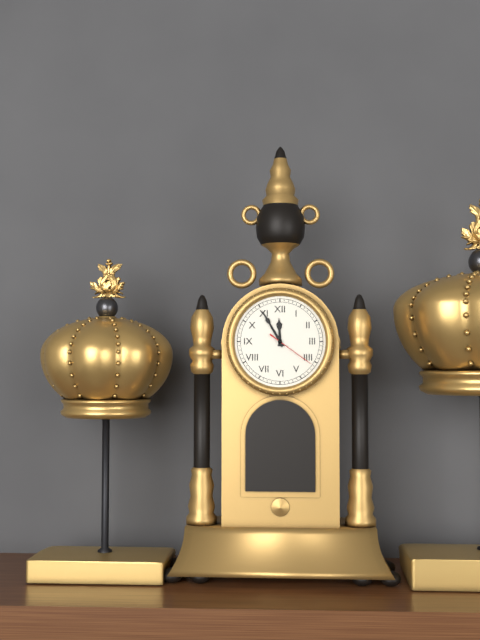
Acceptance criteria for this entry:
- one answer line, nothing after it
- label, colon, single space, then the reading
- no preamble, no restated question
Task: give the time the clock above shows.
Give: 11:55
